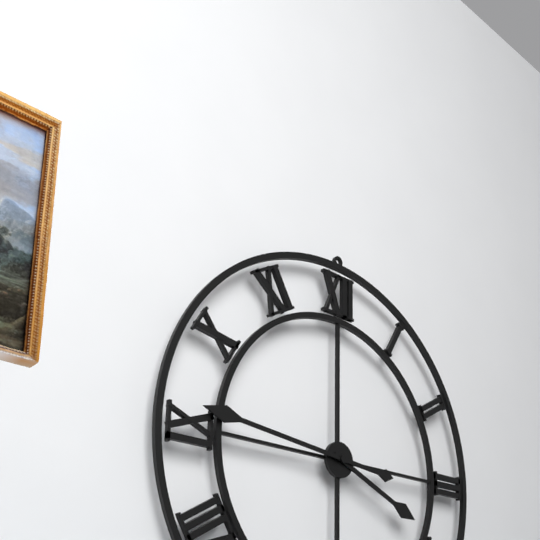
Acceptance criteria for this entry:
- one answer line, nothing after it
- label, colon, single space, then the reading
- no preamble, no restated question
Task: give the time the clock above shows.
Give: 3:46
